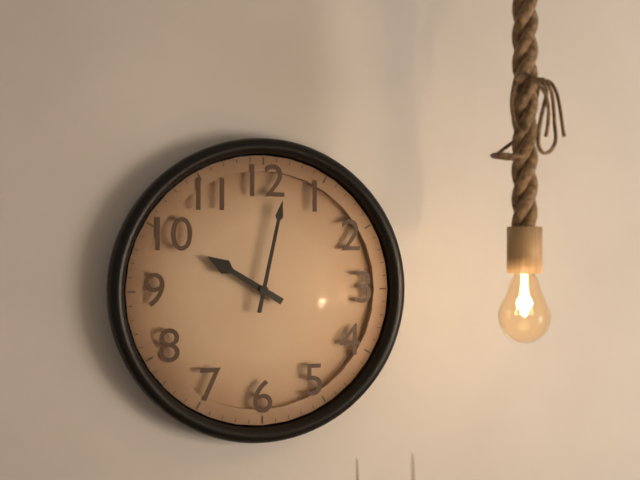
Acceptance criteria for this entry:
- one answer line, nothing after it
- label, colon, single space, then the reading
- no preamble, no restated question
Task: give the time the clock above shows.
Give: 10:02
